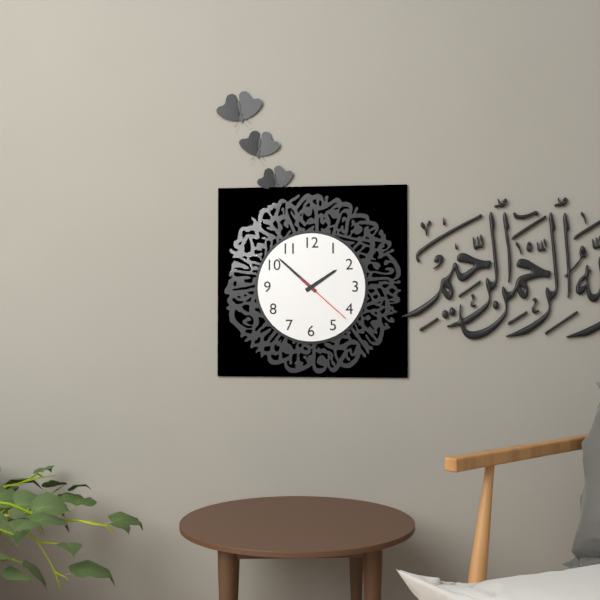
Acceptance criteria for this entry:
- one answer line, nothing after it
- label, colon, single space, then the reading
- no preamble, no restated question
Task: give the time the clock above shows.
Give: 1:52:22
